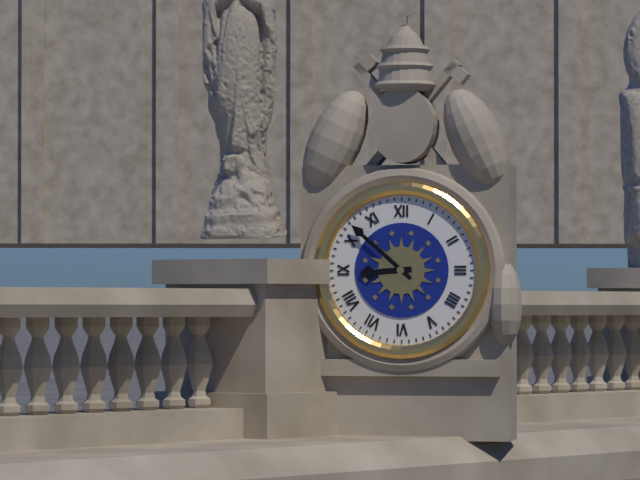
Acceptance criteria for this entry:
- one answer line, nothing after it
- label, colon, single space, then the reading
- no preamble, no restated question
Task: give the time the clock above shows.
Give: 8:52
